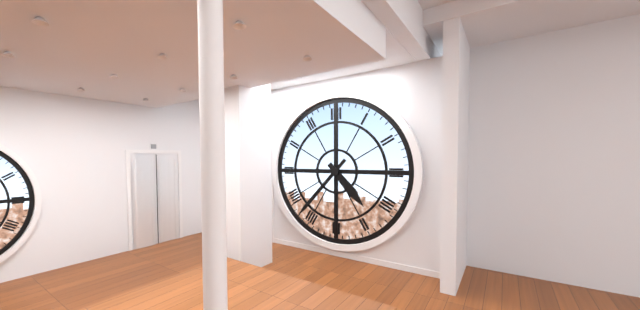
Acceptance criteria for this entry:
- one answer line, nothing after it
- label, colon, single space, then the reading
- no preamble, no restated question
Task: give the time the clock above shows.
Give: 4:37
